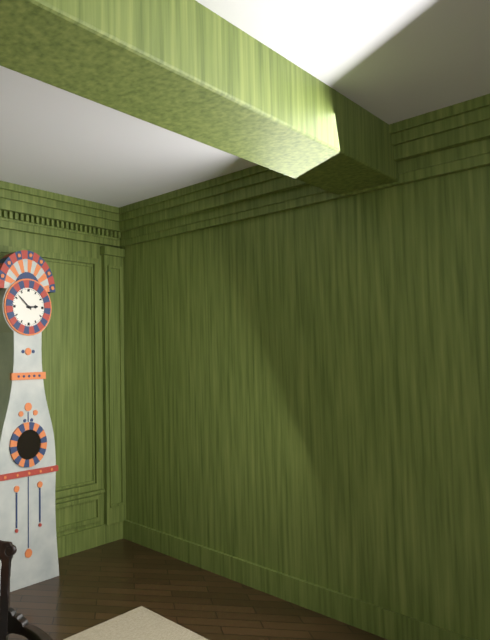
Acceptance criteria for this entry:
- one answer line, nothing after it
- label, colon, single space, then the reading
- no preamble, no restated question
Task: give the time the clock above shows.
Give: 2:52
